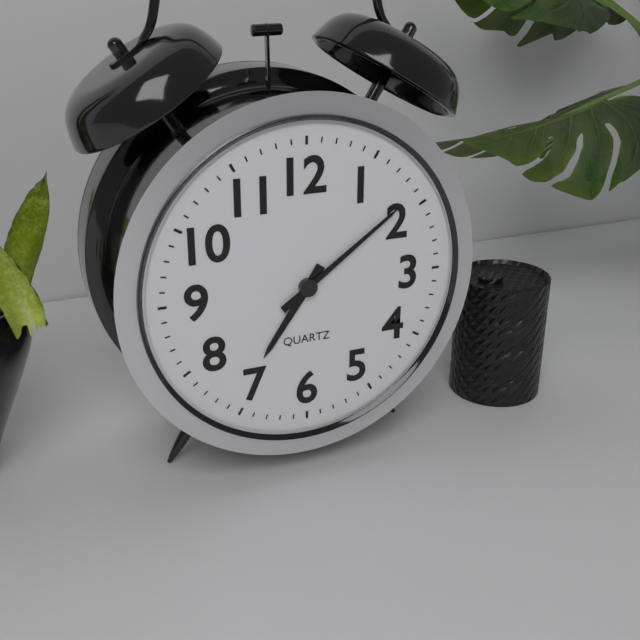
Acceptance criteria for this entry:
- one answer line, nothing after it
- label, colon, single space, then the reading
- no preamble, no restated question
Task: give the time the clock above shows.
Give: 7:09
